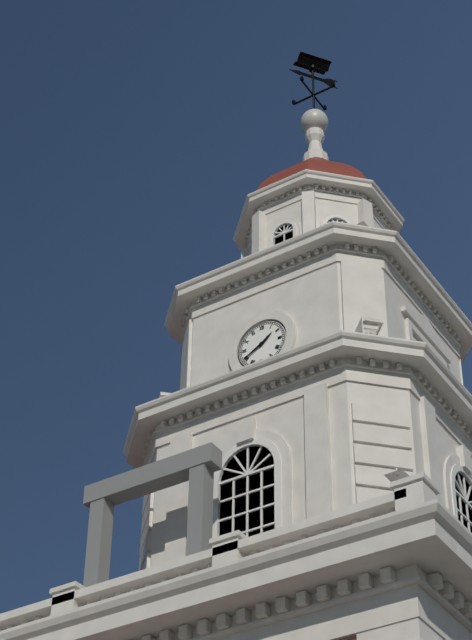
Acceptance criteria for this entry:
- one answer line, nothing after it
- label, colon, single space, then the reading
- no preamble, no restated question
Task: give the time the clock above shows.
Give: 1:40
